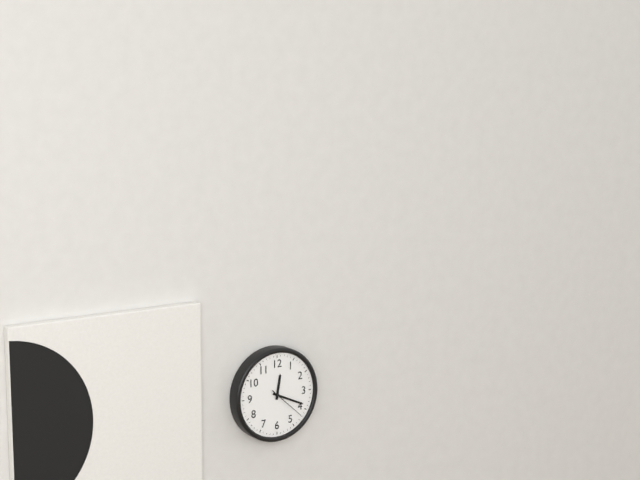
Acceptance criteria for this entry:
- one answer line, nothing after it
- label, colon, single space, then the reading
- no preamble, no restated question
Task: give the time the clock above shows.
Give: 12:19
